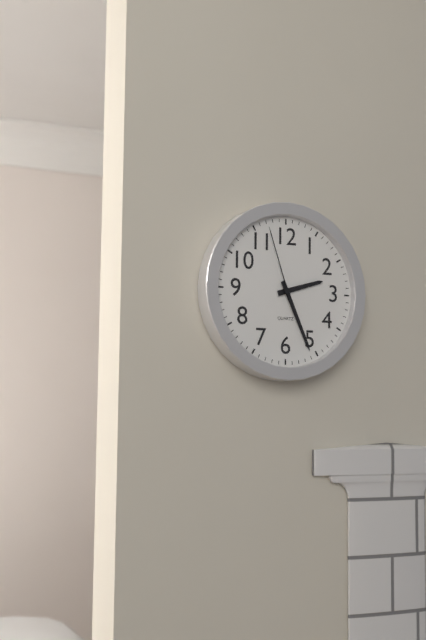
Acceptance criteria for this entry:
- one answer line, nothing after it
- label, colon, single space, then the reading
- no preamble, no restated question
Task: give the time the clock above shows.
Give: 2:26:57
